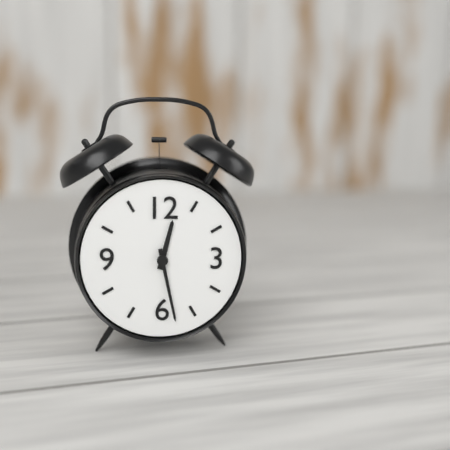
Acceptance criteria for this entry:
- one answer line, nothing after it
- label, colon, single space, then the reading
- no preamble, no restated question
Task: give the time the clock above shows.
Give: 12:28
